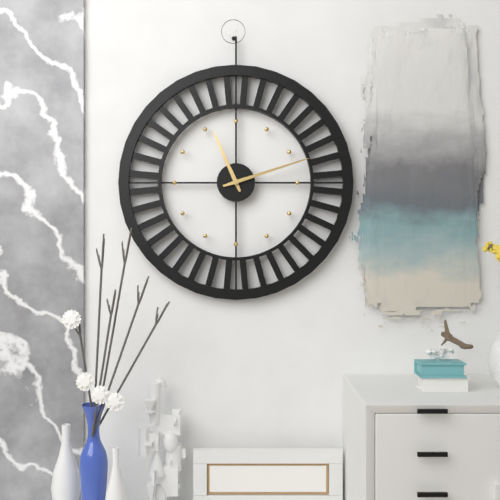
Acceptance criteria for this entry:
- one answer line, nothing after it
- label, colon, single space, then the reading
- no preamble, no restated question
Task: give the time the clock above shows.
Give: 11:12
